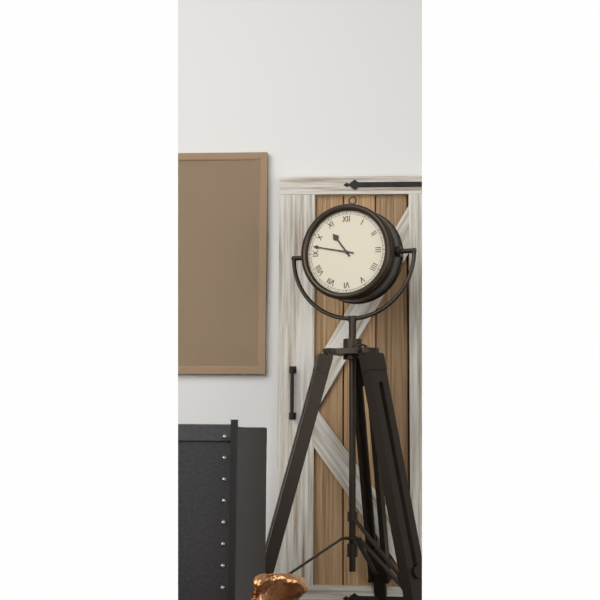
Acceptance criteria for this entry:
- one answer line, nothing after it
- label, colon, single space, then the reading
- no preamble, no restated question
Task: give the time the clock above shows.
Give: 10:47
